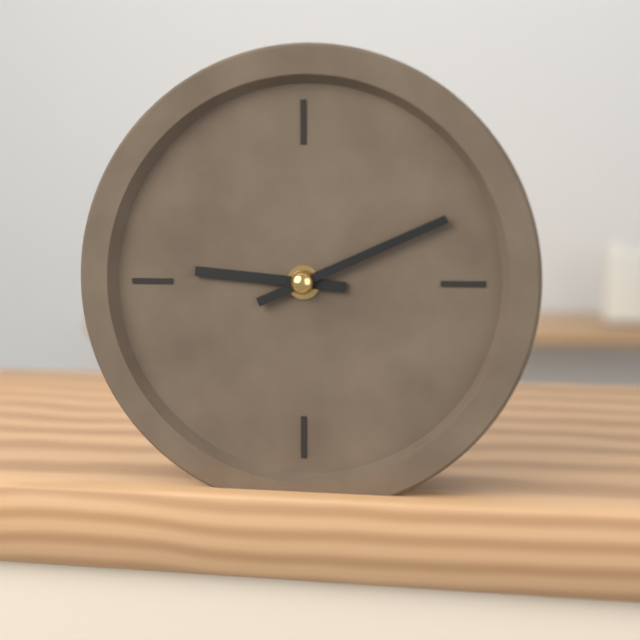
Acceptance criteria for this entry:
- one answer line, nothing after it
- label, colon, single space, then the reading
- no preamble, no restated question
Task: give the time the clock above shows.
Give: 9:11
